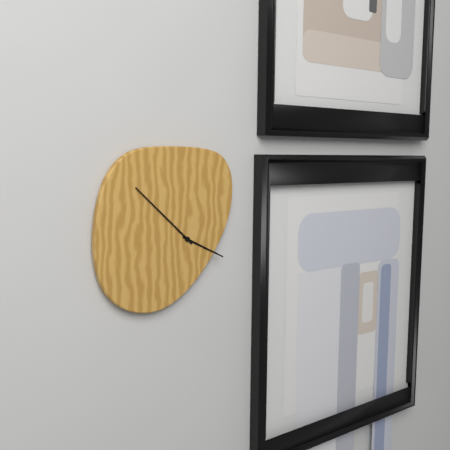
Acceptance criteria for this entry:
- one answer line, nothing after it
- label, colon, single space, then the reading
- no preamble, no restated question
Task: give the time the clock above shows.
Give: 3:52
